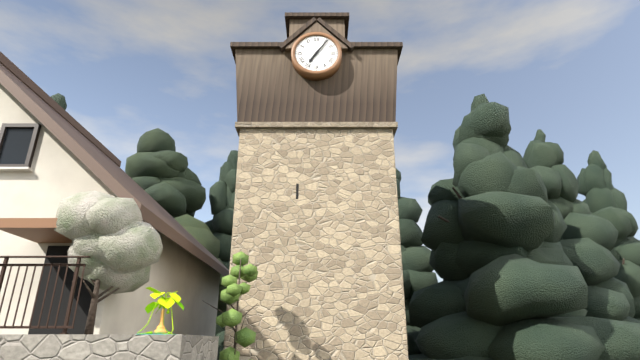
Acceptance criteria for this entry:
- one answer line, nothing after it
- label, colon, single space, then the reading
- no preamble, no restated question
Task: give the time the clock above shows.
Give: 7:06
